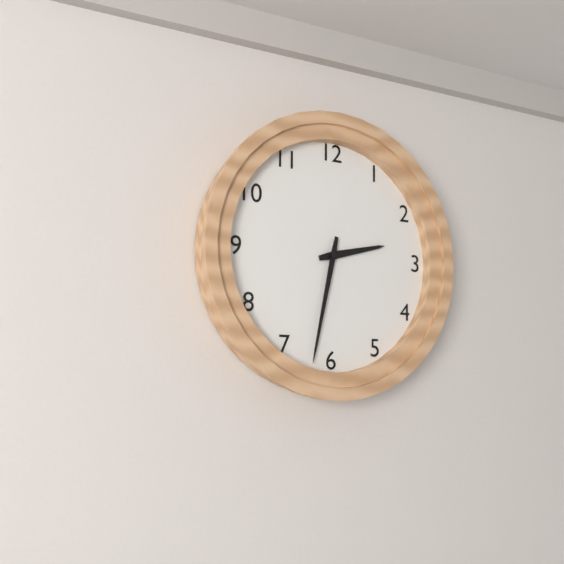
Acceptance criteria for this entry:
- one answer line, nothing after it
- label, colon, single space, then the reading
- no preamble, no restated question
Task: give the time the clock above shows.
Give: 2:32
